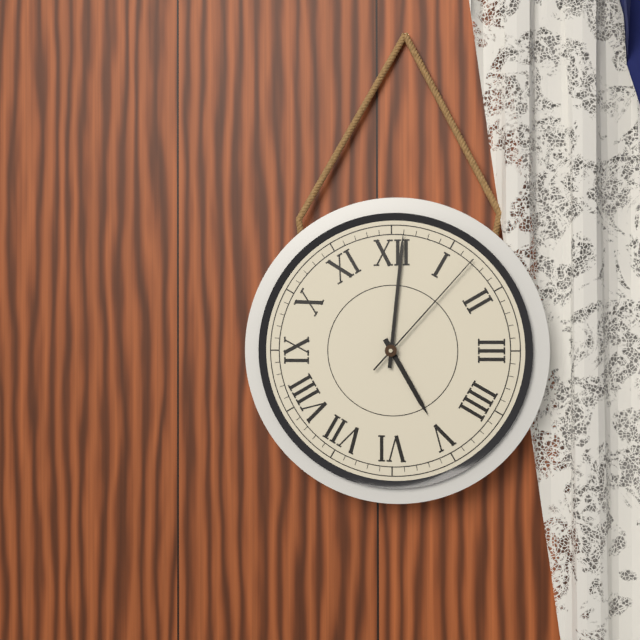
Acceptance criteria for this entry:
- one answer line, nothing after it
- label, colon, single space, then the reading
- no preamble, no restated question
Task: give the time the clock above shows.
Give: 5:01:07
